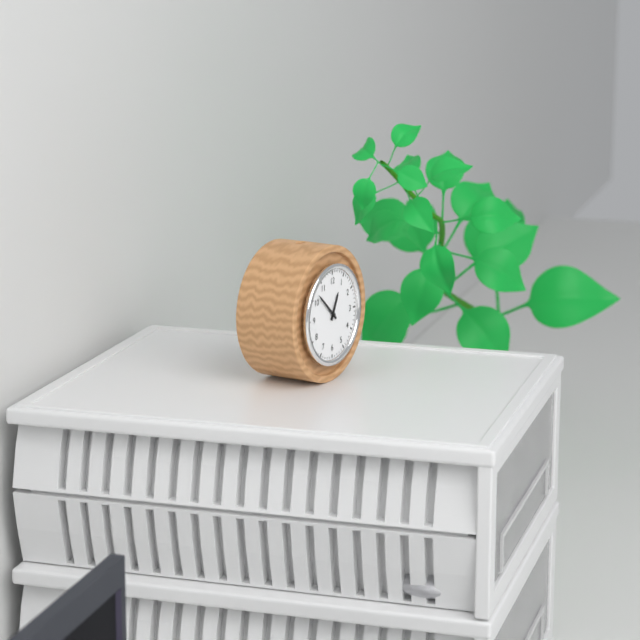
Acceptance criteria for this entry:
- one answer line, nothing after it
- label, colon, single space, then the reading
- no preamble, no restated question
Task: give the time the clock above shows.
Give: 12:52
